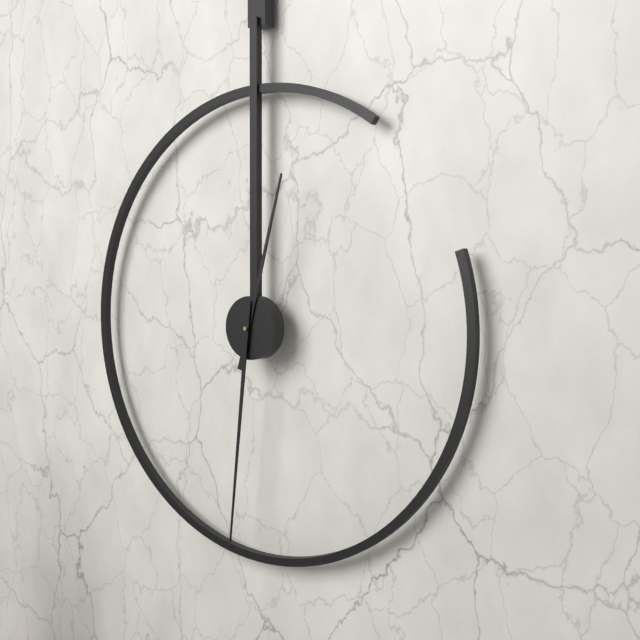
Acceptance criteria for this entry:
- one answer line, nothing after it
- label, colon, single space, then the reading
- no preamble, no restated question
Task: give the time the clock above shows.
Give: 12:31
